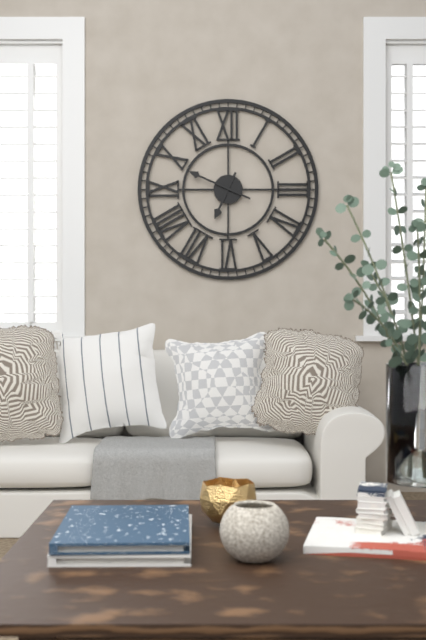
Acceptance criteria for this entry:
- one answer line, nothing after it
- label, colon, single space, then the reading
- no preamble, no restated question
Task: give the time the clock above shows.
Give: 6:49
